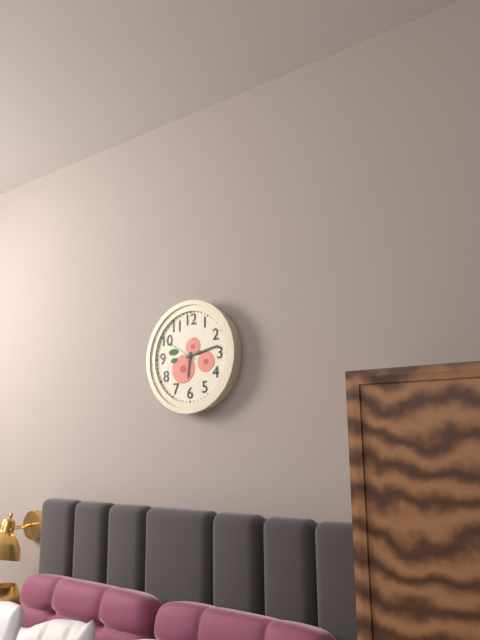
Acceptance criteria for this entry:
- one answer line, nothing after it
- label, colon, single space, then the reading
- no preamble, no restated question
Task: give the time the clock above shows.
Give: 6:13
